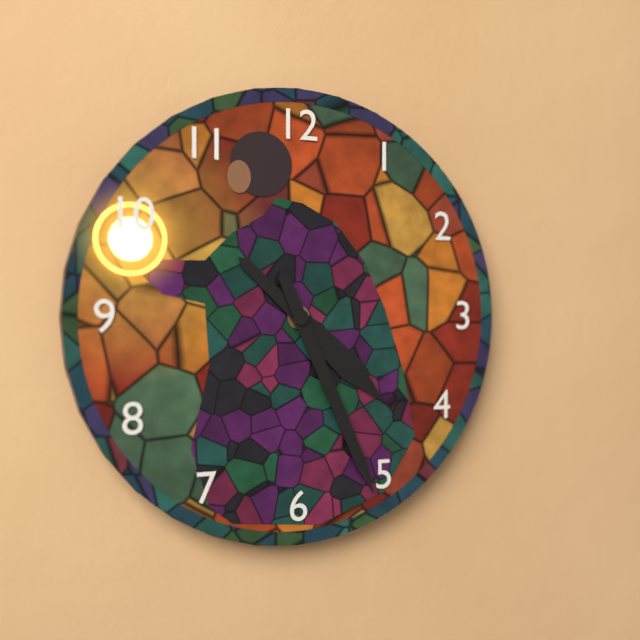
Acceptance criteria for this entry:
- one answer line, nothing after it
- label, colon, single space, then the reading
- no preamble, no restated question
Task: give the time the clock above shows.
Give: 4:26
